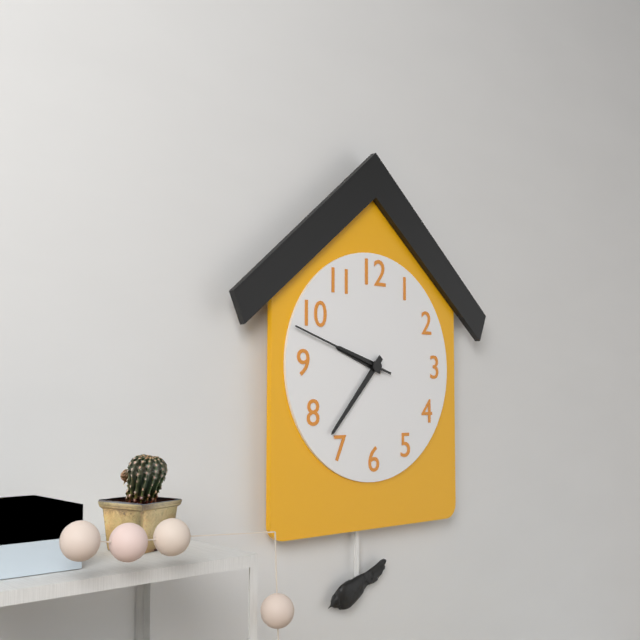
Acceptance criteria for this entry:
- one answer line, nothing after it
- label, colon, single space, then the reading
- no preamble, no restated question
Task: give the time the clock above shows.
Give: 9:37:48
